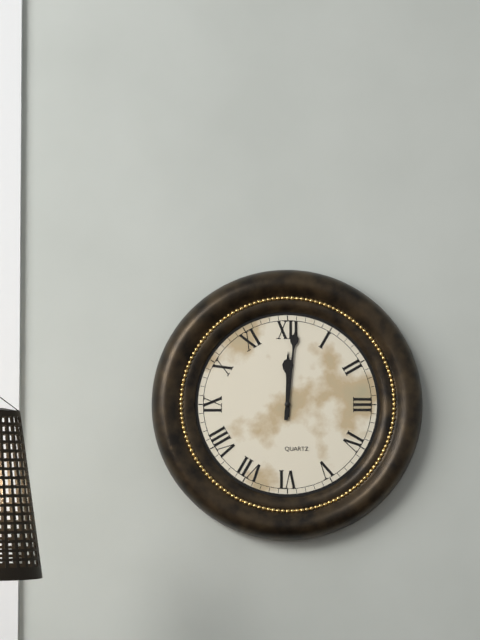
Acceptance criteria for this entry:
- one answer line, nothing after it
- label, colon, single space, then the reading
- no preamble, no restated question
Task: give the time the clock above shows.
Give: 12:01
